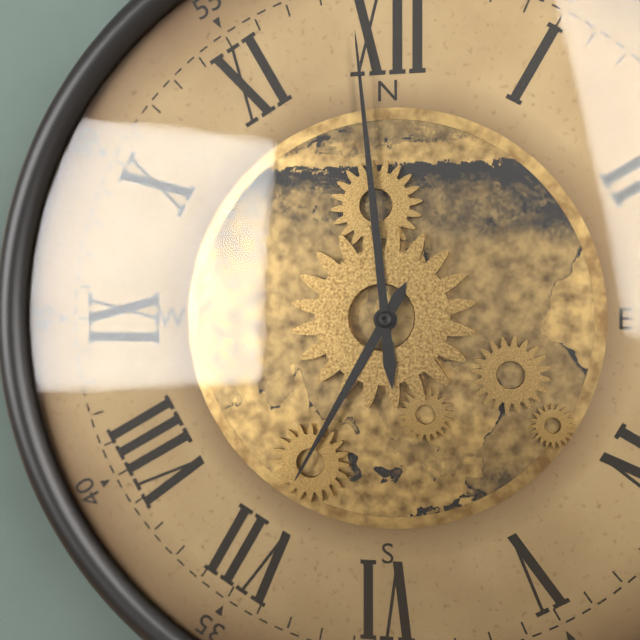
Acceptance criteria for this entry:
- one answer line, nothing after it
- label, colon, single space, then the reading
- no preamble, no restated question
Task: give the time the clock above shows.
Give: 6:59
